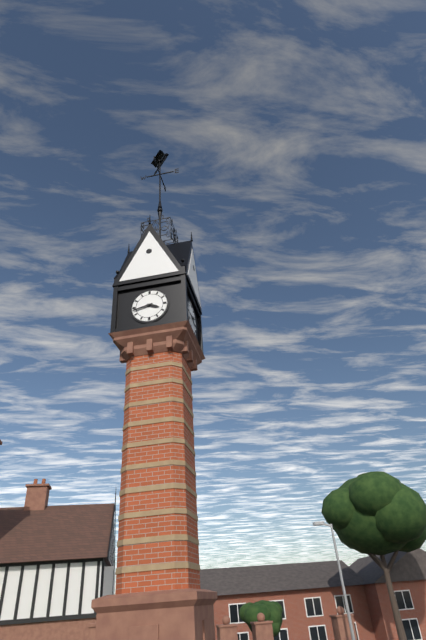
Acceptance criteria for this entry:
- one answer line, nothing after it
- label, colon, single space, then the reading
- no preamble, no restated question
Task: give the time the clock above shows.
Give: 3:43
